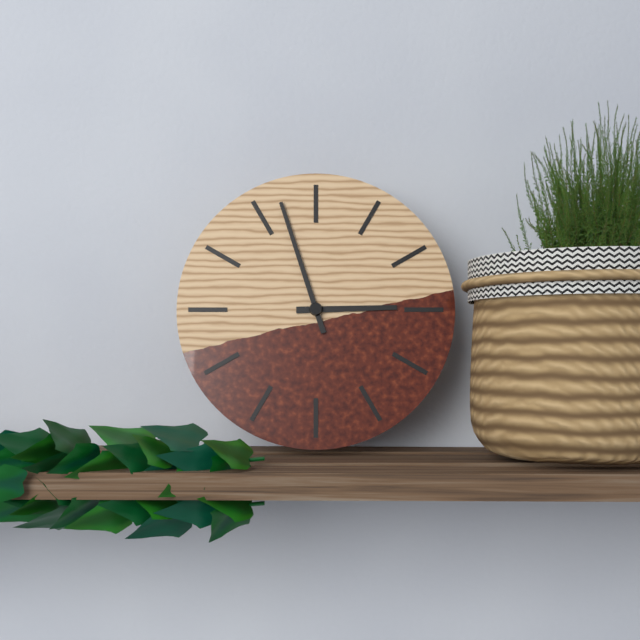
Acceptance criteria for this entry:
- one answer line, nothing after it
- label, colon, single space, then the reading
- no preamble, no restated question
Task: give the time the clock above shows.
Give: 2:57
